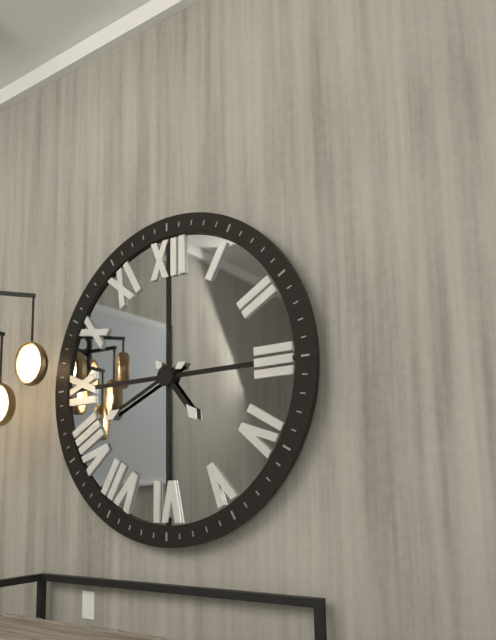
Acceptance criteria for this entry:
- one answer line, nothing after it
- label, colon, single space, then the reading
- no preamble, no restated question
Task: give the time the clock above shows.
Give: 4:41
